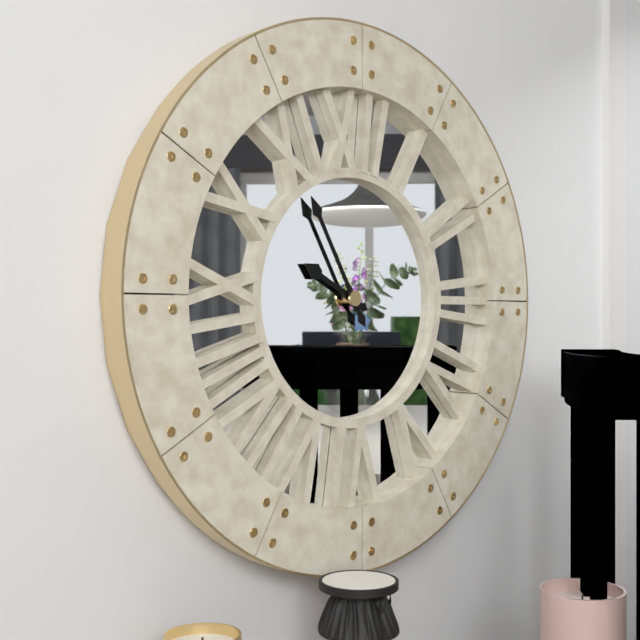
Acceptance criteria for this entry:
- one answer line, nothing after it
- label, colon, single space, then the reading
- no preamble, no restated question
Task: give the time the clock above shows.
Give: 9:55
